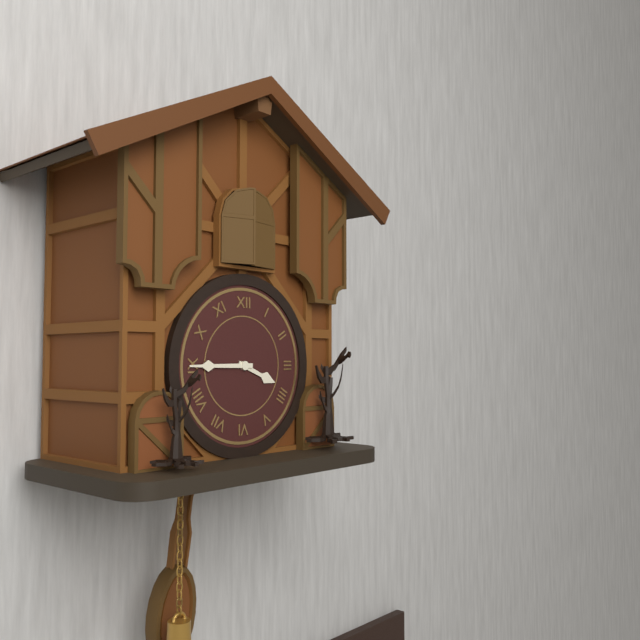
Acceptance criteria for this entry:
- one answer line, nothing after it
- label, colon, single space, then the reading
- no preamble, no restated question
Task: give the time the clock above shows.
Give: 3:45
